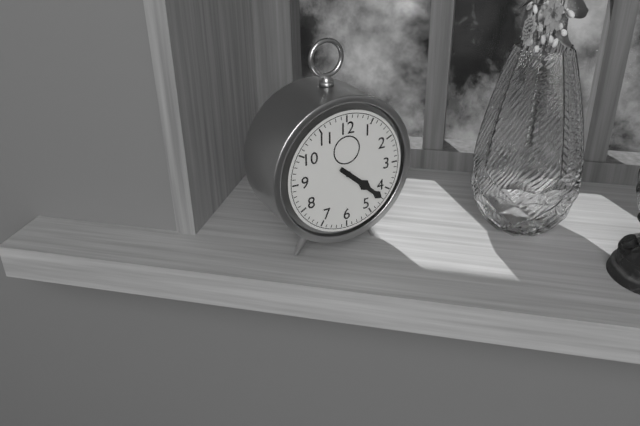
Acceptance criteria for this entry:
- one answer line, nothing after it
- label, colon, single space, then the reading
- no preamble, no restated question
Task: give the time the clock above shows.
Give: 4:22
